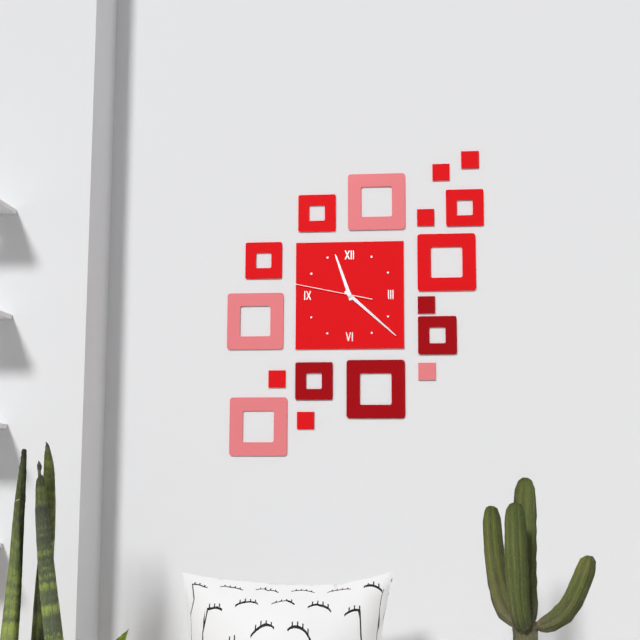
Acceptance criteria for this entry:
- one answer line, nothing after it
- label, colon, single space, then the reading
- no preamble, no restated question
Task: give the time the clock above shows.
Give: 11:22:47
